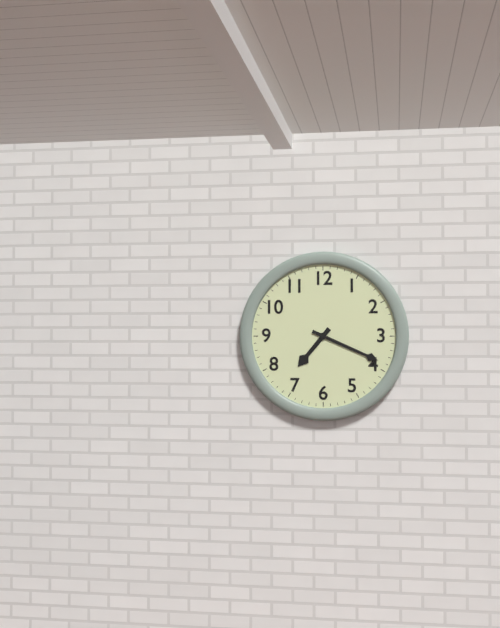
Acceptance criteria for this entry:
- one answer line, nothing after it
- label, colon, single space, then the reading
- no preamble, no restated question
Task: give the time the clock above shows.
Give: 7:19
